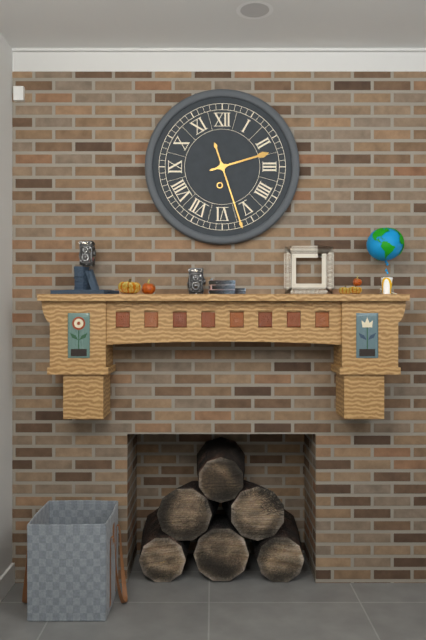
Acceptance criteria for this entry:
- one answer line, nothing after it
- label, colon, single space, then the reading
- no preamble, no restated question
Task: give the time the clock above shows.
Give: 2:27
